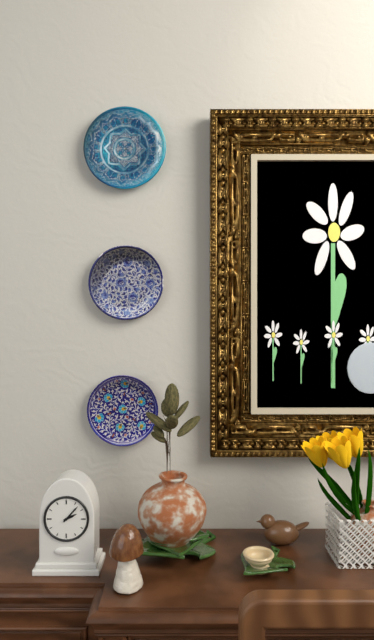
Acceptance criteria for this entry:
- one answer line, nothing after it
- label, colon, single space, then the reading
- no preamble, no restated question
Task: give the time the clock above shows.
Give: 2:07
